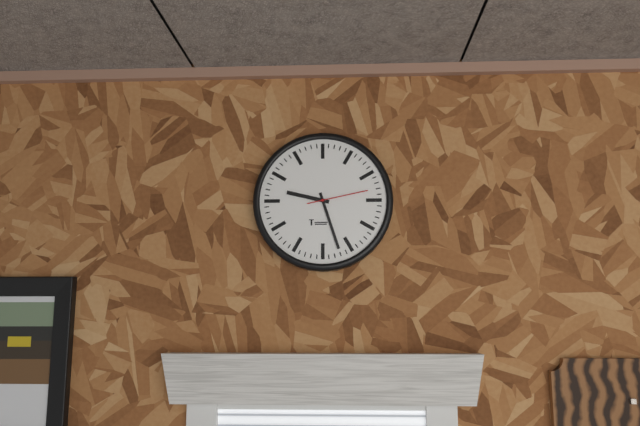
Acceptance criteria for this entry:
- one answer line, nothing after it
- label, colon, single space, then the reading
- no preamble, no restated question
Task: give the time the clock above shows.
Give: 9:27:13
